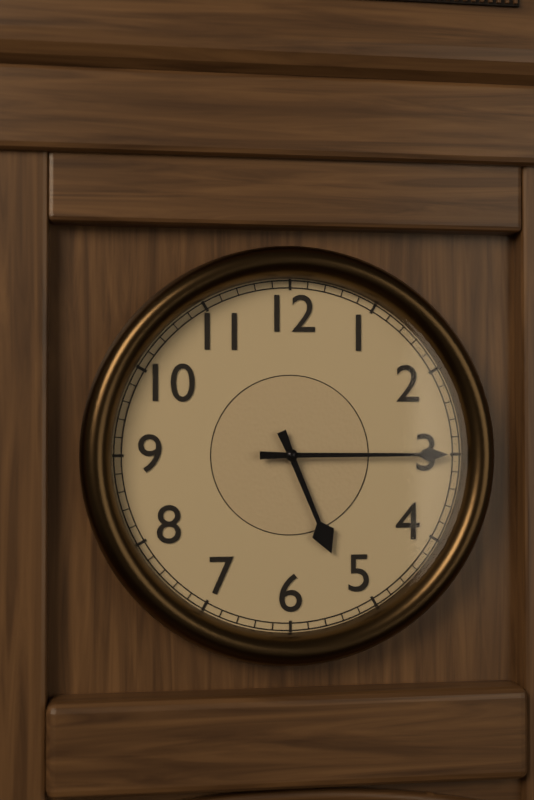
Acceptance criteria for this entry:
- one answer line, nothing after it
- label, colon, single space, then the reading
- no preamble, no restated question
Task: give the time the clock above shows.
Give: 5:15
